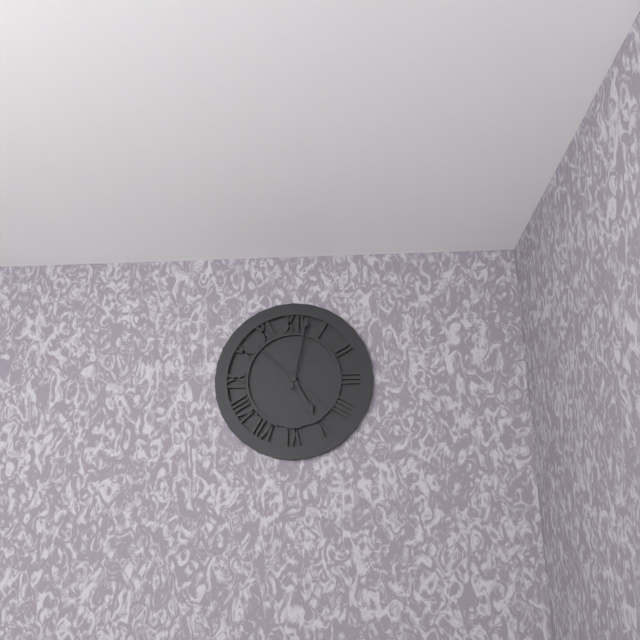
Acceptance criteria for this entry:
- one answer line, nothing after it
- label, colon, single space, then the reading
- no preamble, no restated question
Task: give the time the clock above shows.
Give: 5:02:52
